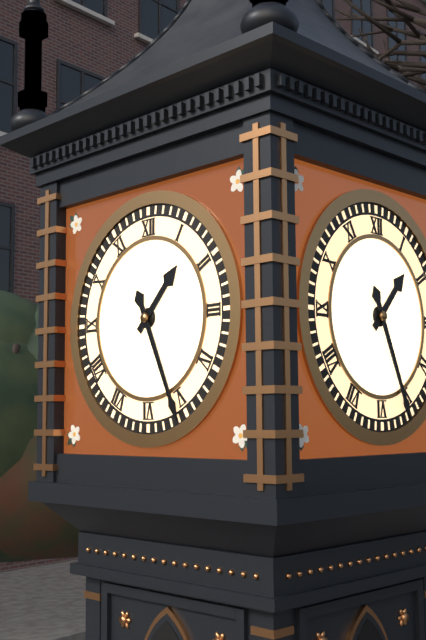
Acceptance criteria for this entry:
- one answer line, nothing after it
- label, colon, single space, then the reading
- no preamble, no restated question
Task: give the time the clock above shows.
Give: 1:26
